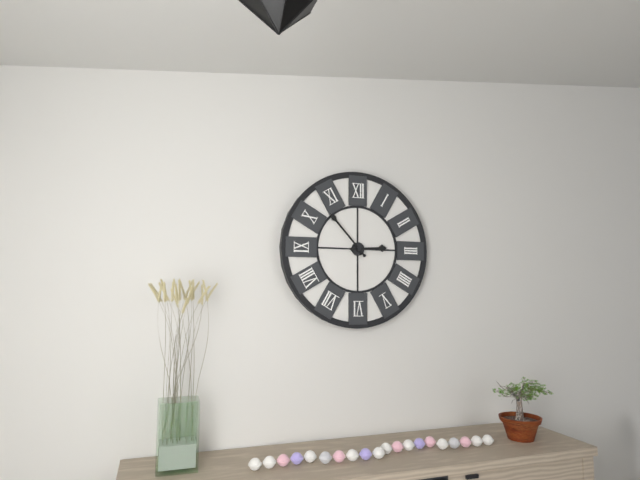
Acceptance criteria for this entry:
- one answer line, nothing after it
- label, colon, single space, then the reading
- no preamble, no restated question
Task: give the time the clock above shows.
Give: 2:53
